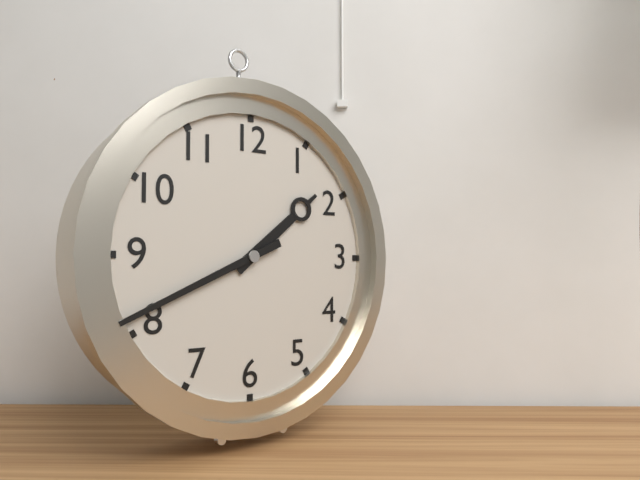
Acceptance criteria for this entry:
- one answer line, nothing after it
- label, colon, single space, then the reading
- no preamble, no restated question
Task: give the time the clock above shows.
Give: 1:41
